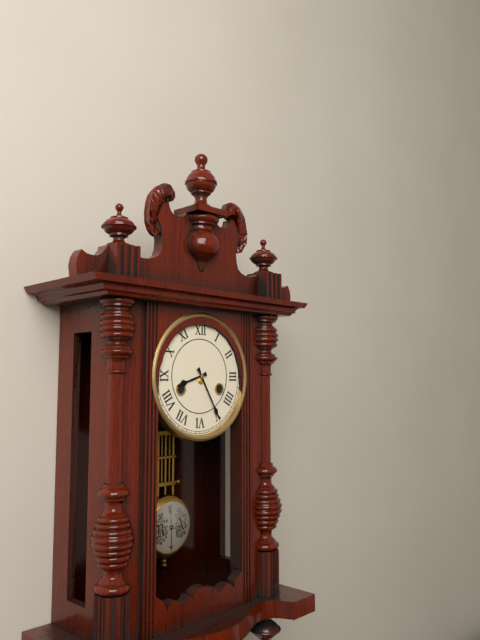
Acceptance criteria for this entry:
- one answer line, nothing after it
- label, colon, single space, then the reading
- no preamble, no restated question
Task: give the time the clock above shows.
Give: 8:25
